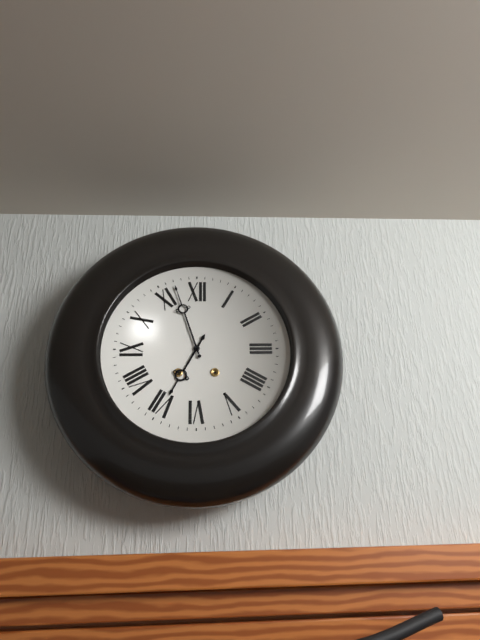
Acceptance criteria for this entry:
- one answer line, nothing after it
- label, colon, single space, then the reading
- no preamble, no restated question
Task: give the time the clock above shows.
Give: 6:57
